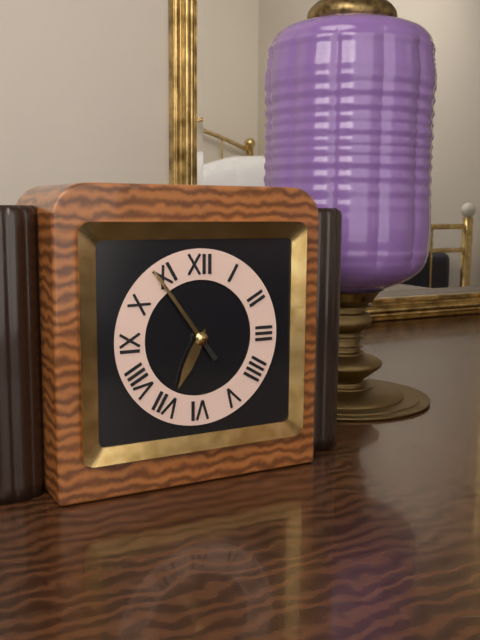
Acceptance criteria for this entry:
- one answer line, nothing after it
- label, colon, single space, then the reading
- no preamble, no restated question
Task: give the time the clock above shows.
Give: 6:54
